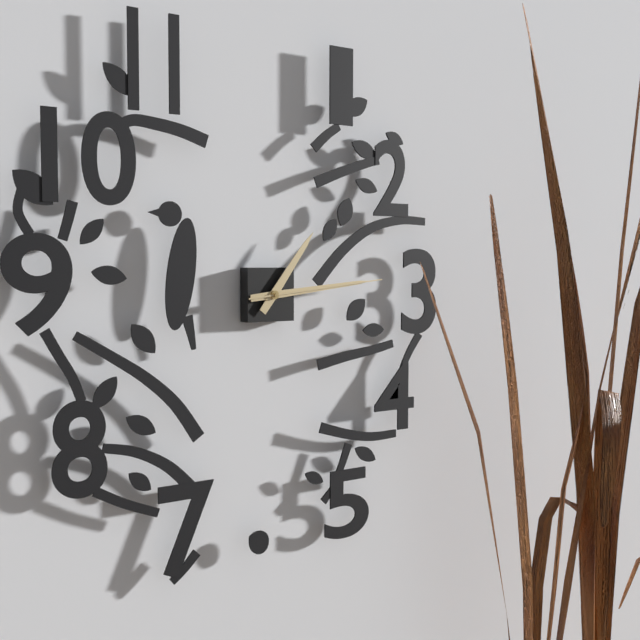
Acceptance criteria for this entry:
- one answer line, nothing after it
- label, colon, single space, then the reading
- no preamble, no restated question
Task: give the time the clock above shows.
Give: 1:14:14
